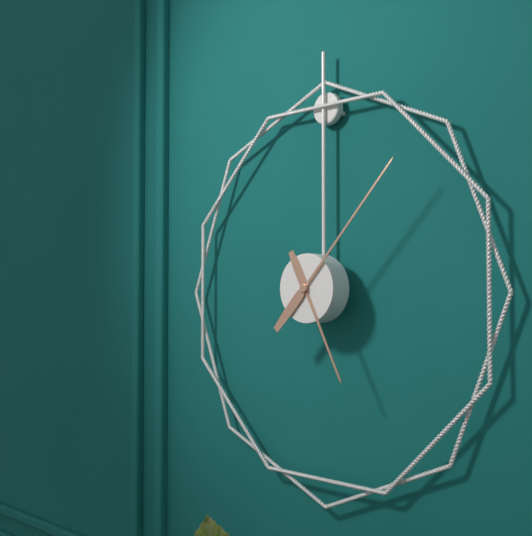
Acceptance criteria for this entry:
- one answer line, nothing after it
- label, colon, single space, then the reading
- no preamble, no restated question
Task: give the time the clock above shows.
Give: 5:07
